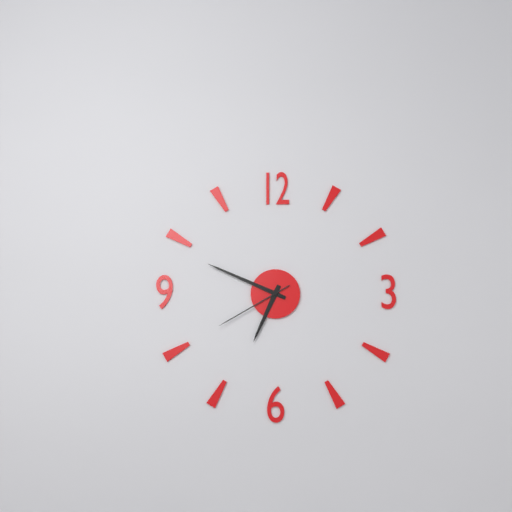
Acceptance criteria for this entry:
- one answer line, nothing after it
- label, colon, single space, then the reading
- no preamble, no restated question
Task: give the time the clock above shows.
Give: 6:49:40
